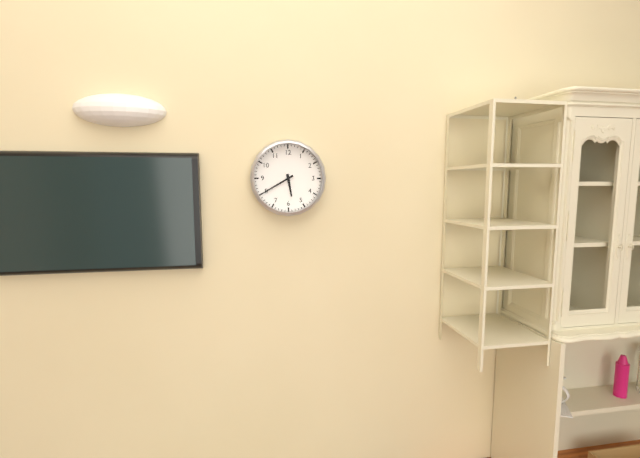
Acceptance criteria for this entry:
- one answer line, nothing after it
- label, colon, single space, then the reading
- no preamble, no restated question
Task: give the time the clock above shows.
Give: 5:40
